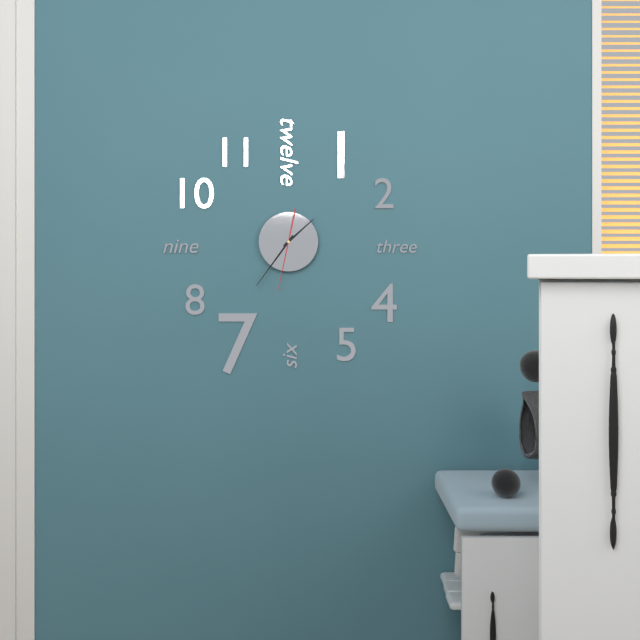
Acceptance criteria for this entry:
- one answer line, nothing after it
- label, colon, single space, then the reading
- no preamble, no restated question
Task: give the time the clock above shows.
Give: 1:36:32
